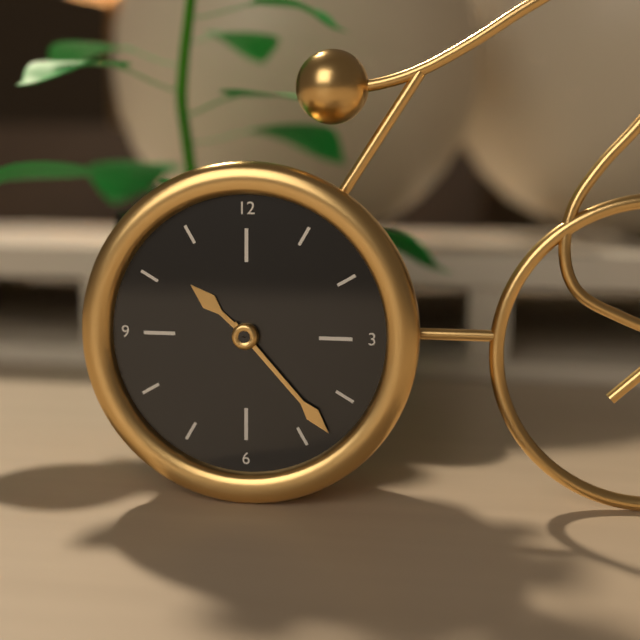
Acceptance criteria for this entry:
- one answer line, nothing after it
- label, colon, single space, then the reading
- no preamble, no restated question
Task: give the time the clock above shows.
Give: 10:23
